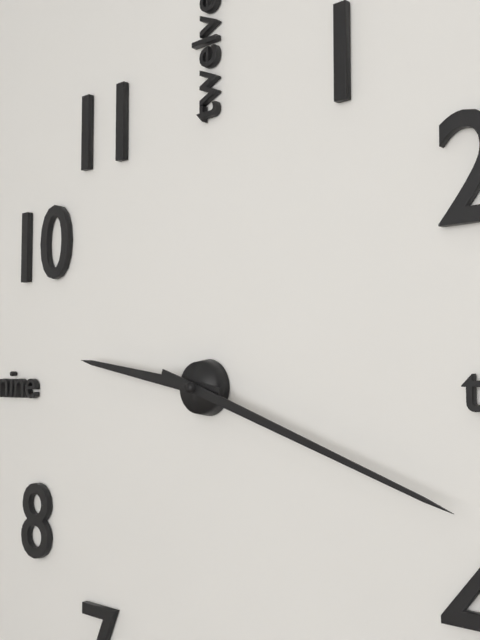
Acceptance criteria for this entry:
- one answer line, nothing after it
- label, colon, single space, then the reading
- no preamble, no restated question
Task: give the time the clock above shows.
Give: 9:18
